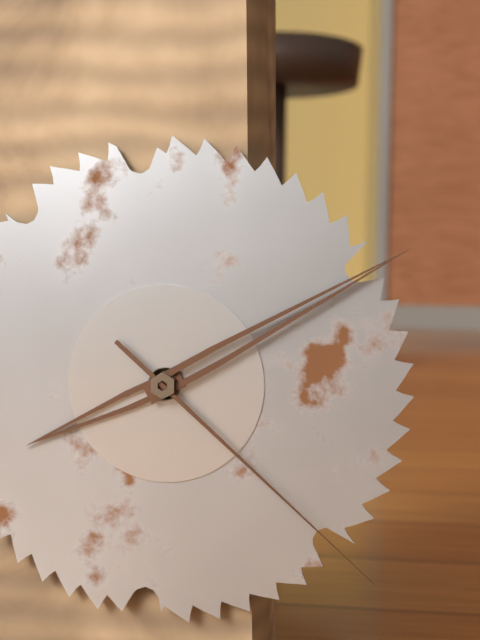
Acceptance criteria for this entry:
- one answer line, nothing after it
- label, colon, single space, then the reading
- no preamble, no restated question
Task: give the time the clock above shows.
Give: 8:10:22
